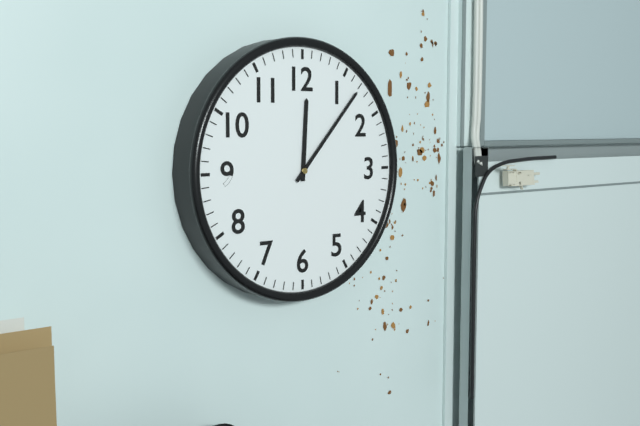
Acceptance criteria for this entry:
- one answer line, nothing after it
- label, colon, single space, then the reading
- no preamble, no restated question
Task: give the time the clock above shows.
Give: 12:07
